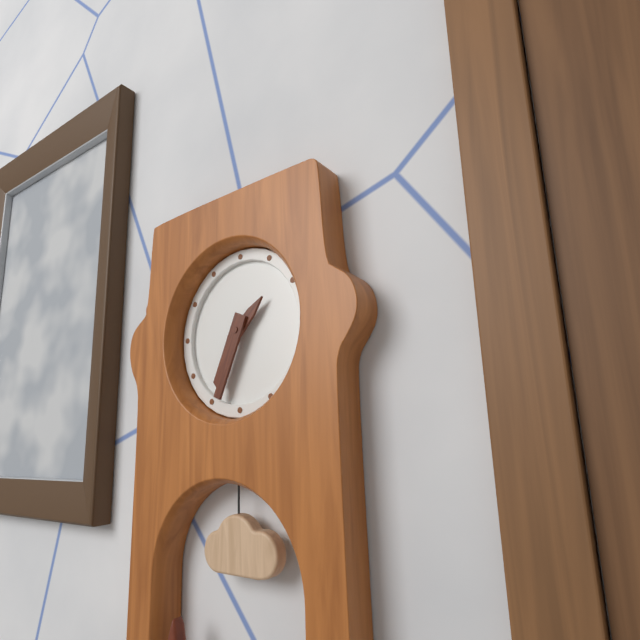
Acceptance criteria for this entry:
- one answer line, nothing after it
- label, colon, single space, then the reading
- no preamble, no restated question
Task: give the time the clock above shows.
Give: 1:34
